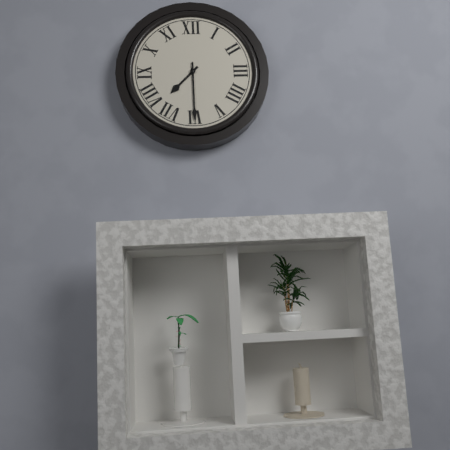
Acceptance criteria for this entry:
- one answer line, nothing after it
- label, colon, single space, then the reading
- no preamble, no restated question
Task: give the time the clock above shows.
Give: 7:30
